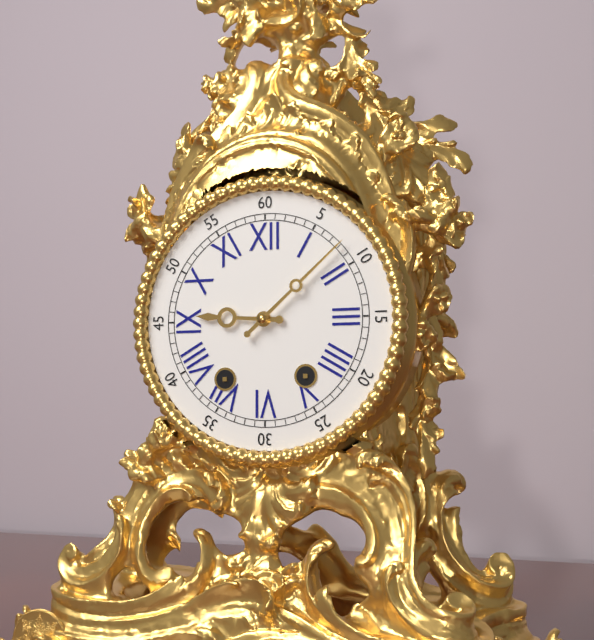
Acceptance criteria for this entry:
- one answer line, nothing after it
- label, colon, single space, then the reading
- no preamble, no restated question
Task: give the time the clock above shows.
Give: 9:08
